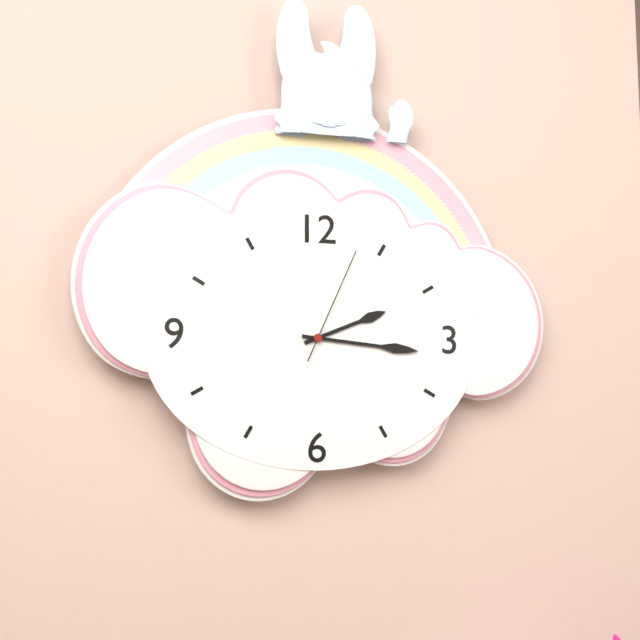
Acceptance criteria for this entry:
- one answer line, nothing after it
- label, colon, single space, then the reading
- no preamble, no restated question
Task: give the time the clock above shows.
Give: 2:16:04
